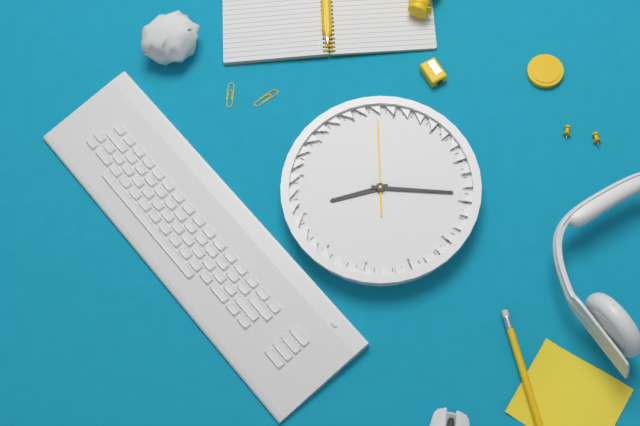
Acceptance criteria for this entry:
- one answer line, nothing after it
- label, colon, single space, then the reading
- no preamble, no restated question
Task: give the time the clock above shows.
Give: 7:09:53
